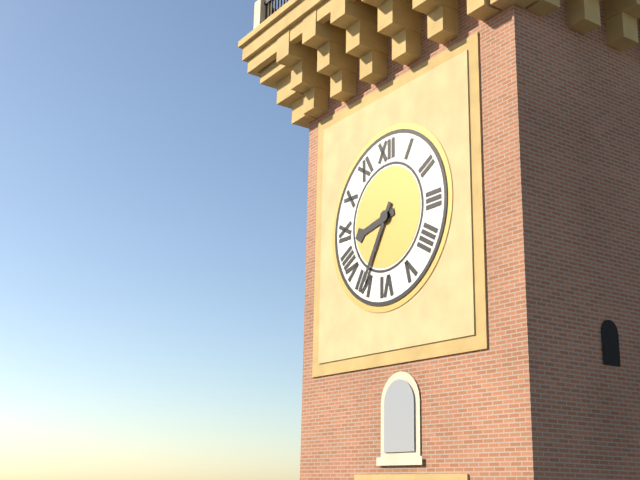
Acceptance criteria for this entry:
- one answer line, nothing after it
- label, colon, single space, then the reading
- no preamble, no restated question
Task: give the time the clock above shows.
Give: 8:35
